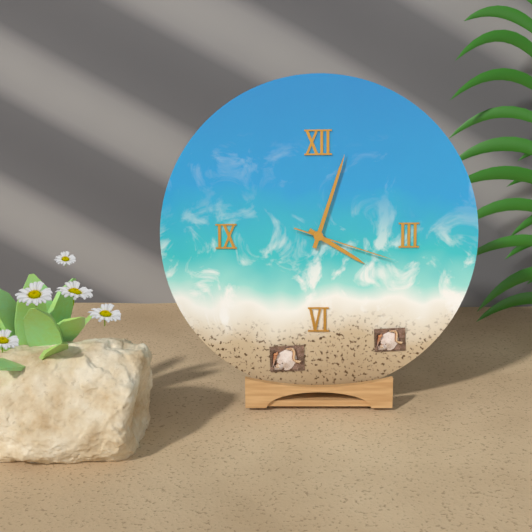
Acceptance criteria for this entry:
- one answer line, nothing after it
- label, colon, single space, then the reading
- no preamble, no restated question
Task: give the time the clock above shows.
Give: 4:03:18
